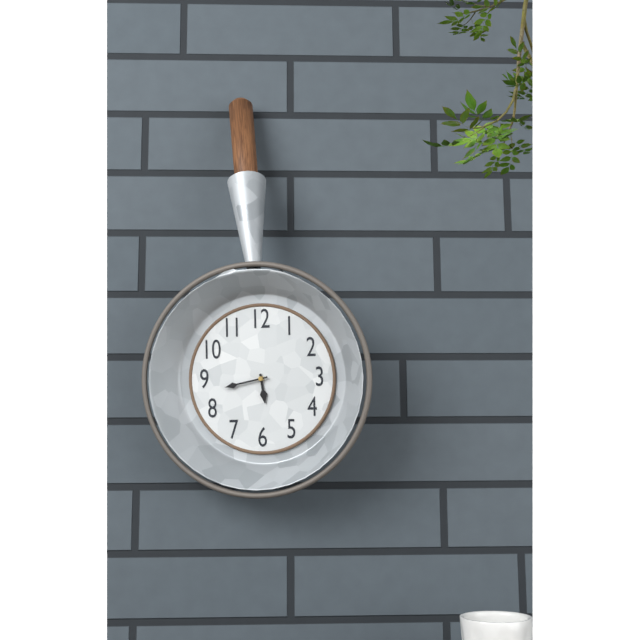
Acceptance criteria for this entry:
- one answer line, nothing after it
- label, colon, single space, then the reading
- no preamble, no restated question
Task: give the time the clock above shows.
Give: 5:43
